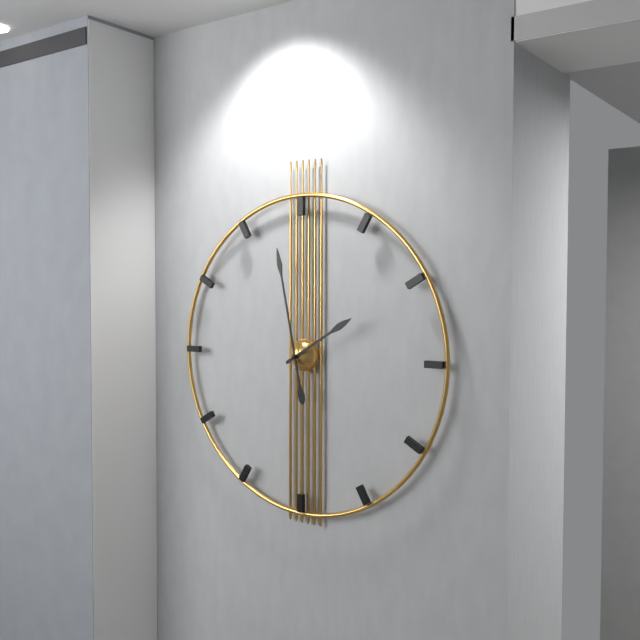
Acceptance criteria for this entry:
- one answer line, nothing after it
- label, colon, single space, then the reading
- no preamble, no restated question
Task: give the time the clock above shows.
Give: 1:58
